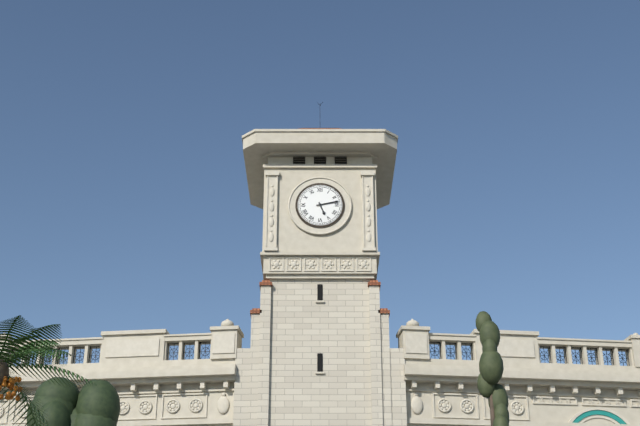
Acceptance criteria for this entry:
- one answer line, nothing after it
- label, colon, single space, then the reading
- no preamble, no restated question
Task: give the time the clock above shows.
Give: 5:13
